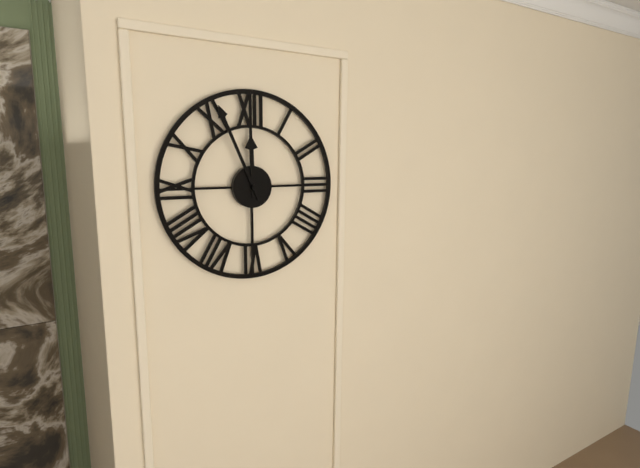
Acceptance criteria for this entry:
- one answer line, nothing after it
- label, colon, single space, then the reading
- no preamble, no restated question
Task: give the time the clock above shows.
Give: 11:56
